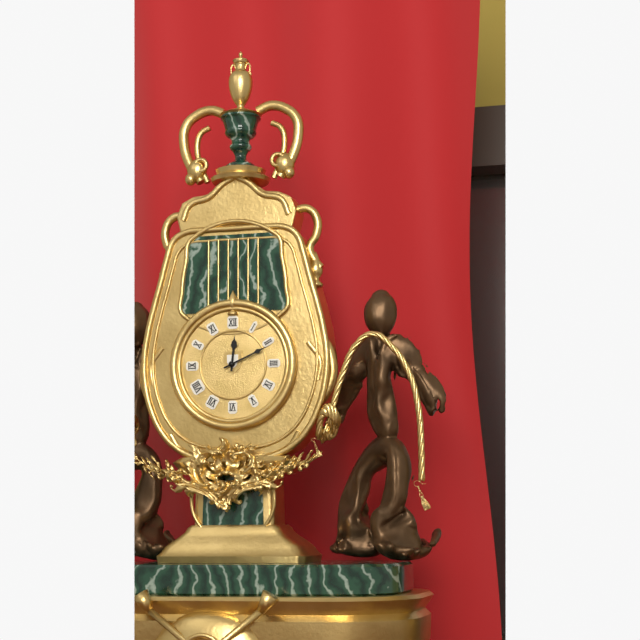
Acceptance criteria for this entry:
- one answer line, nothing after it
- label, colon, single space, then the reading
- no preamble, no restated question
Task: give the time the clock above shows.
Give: 12:11
